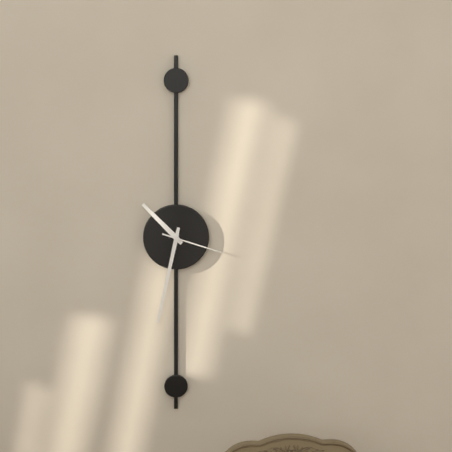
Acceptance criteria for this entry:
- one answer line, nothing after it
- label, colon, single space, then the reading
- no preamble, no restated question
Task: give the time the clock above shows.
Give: 10:32:18
